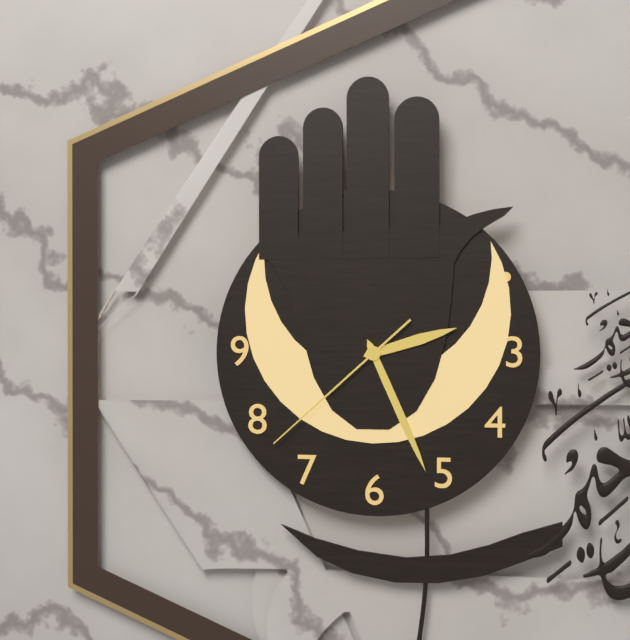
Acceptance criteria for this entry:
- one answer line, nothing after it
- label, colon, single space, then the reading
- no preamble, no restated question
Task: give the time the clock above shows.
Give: 2:26:38
